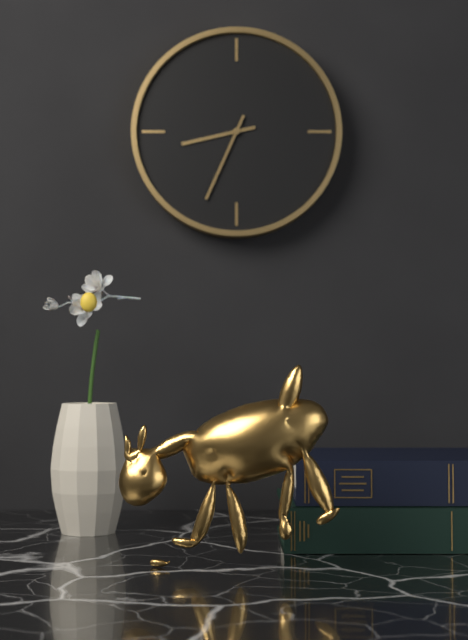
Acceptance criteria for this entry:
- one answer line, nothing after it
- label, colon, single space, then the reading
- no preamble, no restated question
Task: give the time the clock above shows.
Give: 8:34
